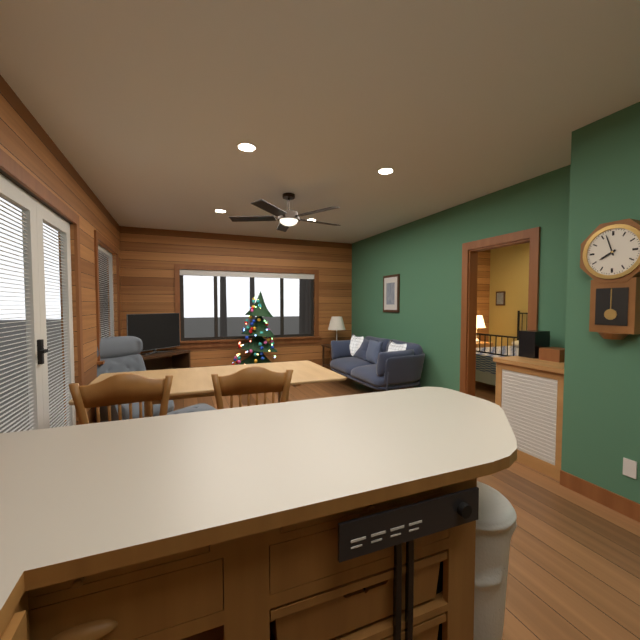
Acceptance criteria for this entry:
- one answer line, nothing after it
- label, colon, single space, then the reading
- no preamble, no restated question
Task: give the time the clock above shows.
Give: 7:57
